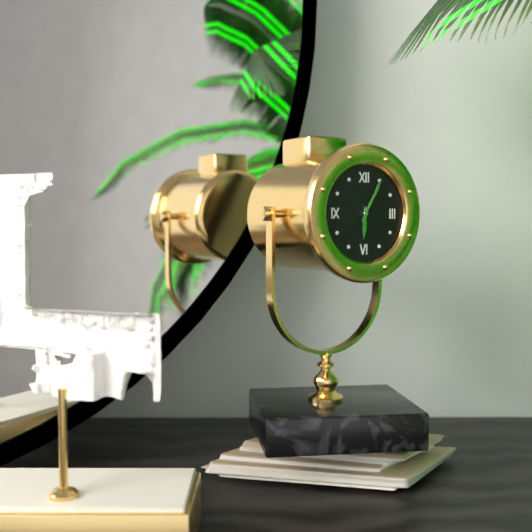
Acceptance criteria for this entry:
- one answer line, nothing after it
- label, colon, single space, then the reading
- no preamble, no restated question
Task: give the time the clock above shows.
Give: 6:05
